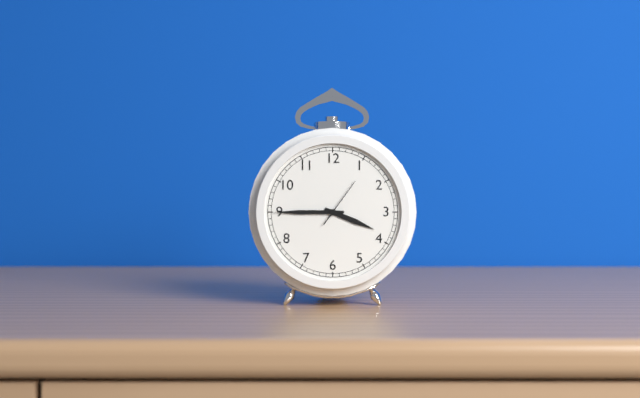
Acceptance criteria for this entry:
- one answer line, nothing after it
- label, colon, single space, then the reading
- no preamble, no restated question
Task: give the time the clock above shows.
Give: 3:45
